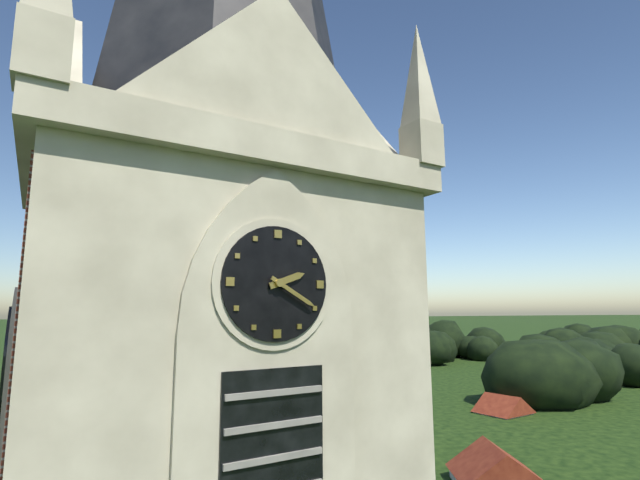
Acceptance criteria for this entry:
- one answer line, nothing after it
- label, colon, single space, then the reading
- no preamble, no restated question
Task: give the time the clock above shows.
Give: 2:20
